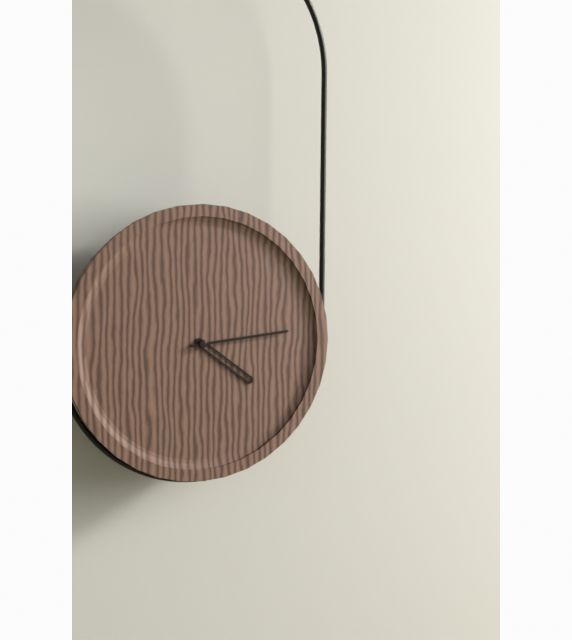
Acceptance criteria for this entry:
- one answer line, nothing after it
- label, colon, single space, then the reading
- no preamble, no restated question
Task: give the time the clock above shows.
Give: 4:14
